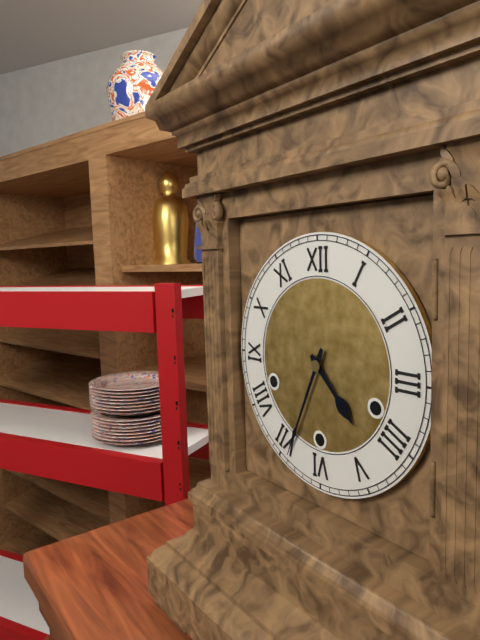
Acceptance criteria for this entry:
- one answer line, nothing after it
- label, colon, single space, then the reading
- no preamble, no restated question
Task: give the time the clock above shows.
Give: 4:34
